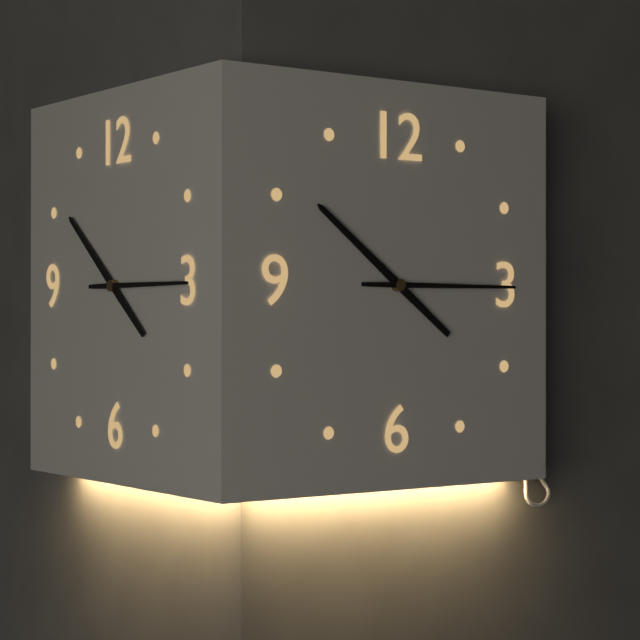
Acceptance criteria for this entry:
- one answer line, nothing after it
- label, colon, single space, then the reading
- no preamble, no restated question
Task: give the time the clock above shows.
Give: 10:15
